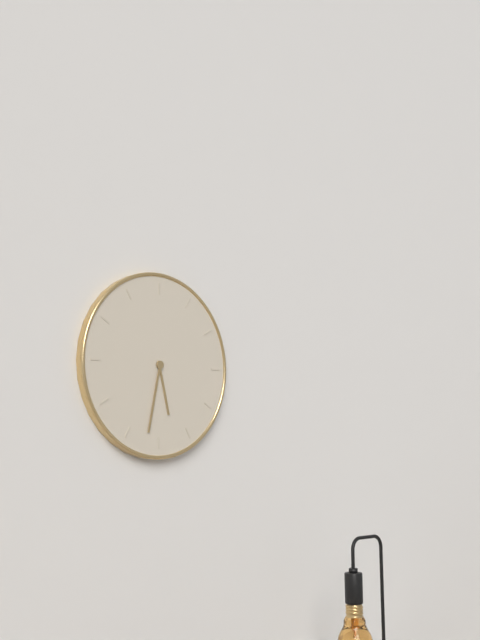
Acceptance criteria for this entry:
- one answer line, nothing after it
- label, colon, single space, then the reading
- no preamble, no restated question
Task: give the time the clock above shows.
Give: 5:32
